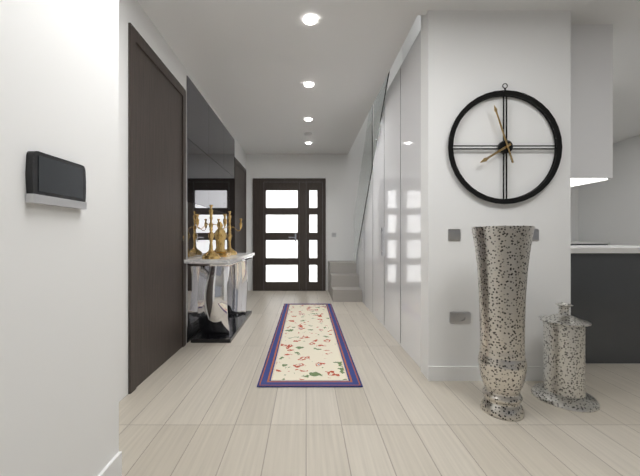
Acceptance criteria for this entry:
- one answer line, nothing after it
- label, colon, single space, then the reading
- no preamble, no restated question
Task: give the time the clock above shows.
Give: 7:57
